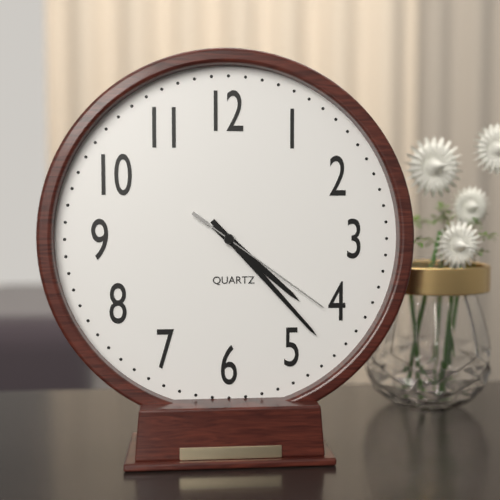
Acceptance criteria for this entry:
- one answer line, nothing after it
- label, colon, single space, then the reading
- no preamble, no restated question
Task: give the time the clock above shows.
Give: 4:23:21
